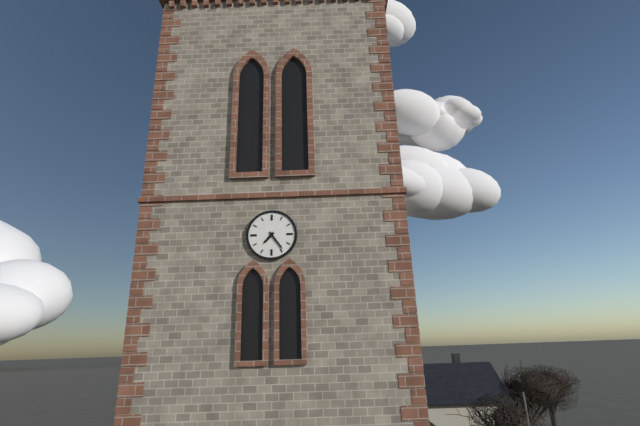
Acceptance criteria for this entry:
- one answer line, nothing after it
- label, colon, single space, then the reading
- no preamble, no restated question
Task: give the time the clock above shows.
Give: 7:24
